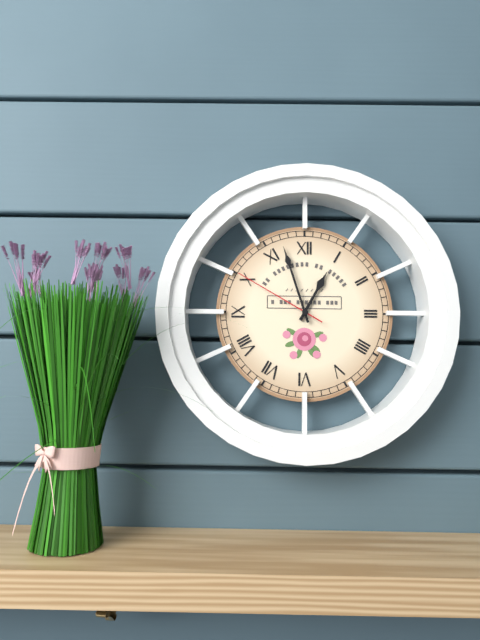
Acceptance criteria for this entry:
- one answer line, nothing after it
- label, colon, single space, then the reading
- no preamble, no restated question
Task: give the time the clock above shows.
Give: 12:57:50
